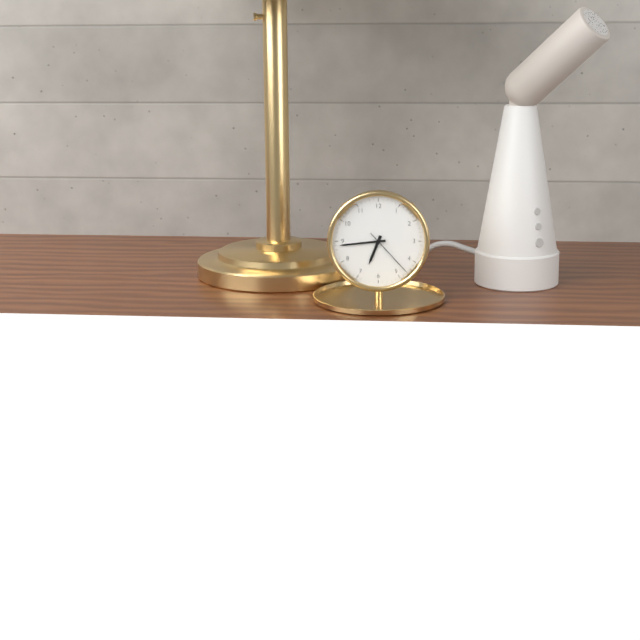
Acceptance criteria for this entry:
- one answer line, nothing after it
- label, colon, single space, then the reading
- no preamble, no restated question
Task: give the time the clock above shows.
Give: 6:44:23
